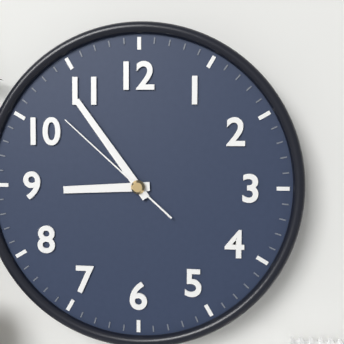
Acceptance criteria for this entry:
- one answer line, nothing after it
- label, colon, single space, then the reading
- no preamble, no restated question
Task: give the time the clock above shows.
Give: 8:54:52
